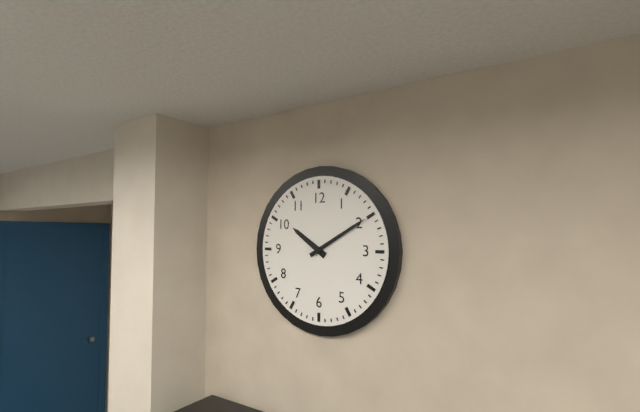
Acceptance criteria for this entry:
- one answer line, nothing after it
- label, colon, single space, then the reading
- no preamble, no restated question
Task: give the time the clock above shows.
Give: 10:10
